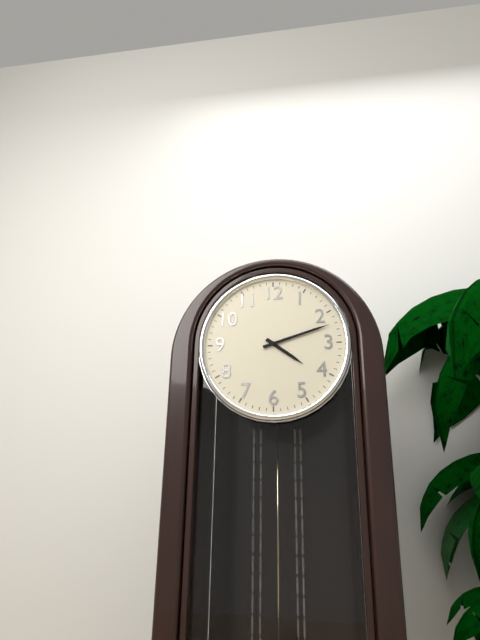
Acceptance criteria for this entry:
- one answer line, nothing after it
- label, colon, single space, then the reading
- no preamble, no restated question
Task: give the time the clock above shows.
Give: 4:12
